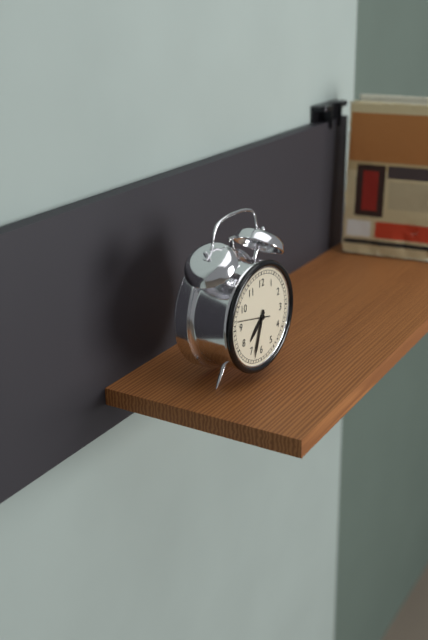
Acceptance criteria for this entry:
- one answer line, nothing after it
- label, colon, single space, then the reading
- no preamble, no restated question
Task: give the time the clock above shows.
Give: 7:33
